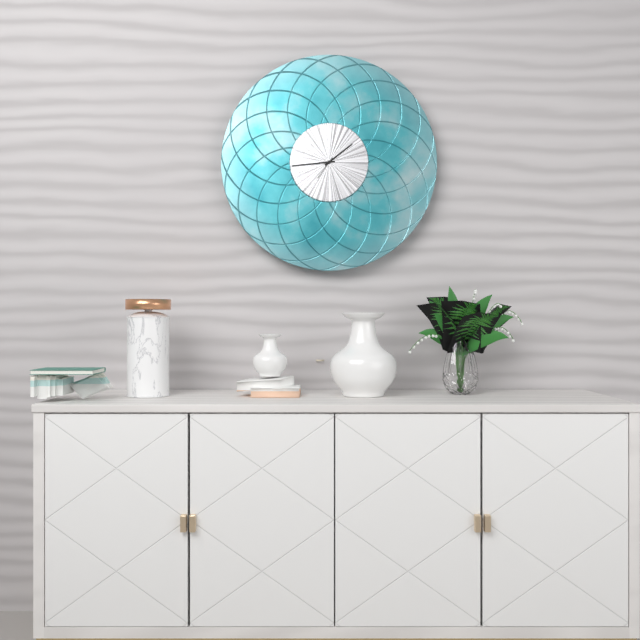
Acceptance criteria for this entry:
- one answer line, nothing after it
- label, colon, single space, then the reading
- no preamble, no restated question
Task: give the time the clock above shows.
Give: 1:44
